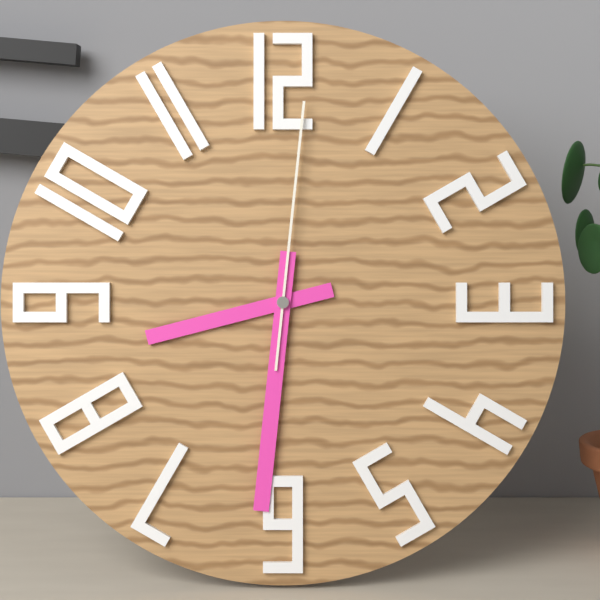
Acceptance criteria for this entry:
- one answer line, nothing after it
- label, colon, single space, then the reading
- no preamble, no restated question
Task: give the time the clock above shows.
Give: 8:31:01
